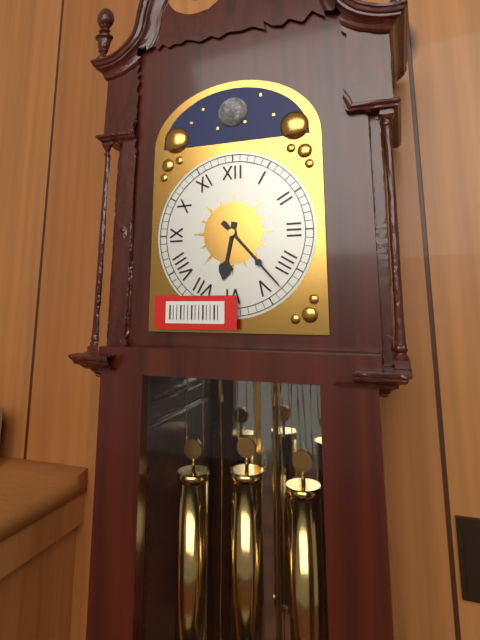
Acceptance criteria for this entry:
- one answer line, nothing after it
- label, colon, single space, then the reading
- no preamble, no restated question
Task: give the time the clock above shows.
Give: 6:23
